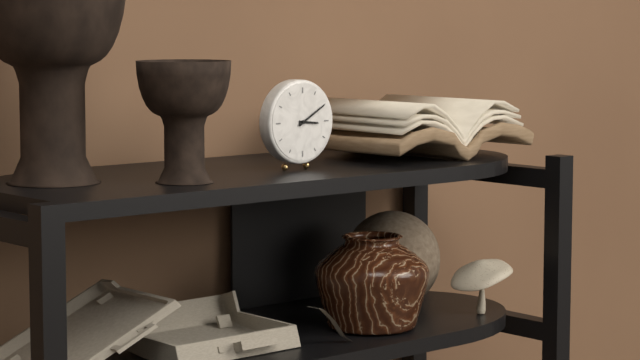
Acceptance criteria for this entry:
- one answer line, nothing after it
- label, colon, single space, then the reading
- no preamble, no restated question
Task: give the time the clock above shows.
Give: 3:10
